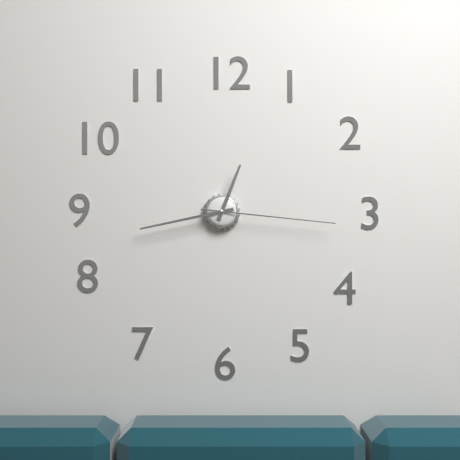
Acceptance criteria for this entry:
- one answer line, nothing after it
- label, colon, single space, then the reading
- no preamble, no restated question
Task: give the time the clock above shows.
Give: 12:43:16
